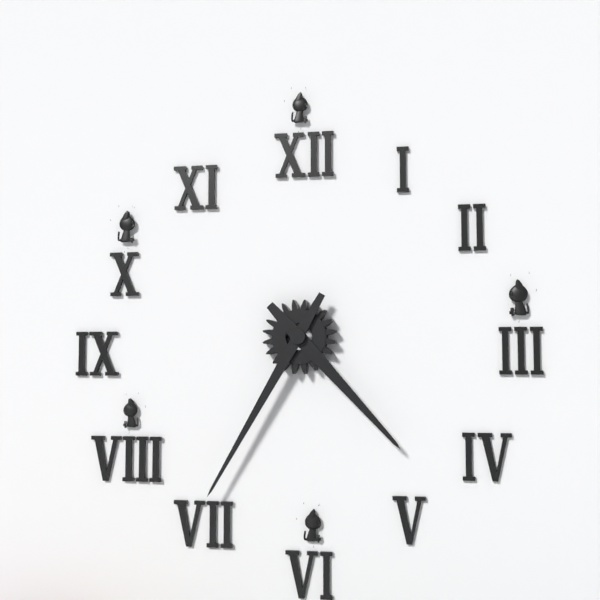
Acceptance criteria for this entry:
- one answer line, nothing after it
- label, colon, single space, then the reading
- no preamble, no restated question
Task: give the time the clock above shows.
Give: 4:35
